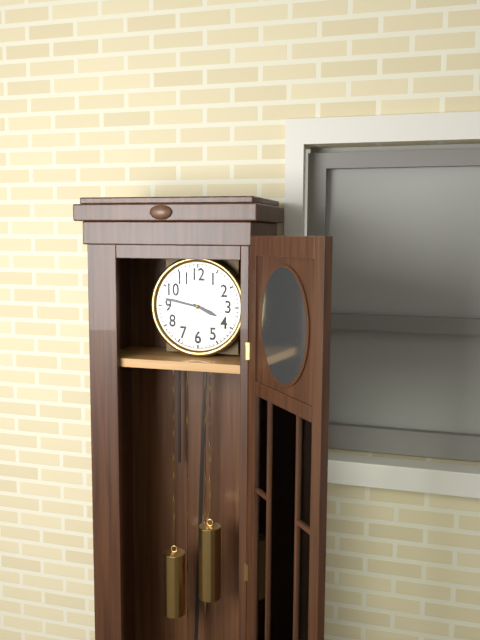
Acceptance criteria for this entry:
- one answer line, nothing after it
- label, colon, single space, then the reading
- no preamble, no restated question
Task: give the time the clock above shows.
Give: 3:47
